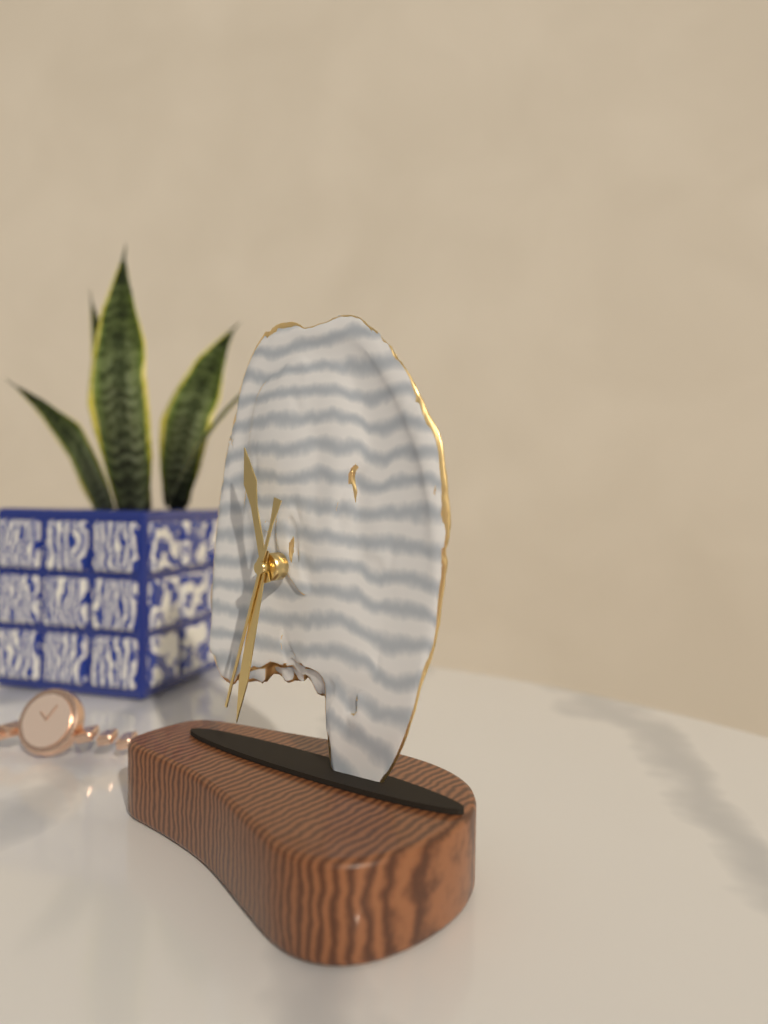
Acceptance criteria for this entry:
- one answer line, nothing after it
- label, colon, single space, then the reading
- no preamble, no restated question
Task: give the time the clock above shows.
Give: 11:32:33
